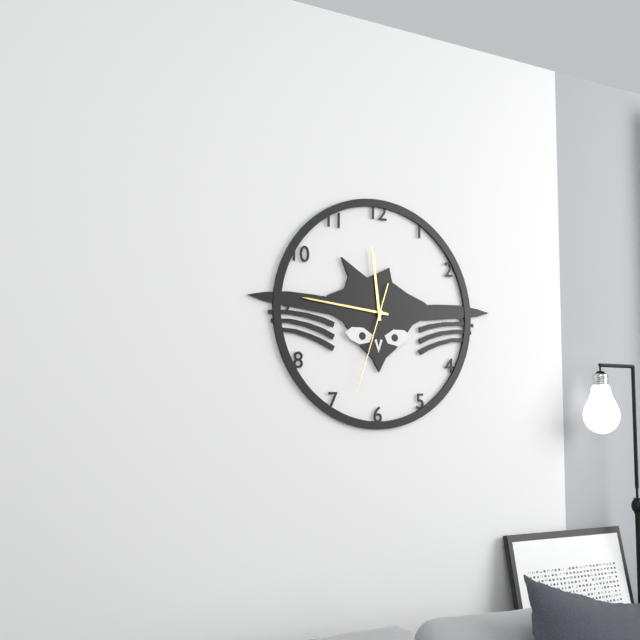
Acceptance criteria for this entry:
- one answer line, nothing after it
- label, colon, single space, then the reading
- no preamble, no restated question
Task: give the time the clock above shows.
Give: 11:46:33
